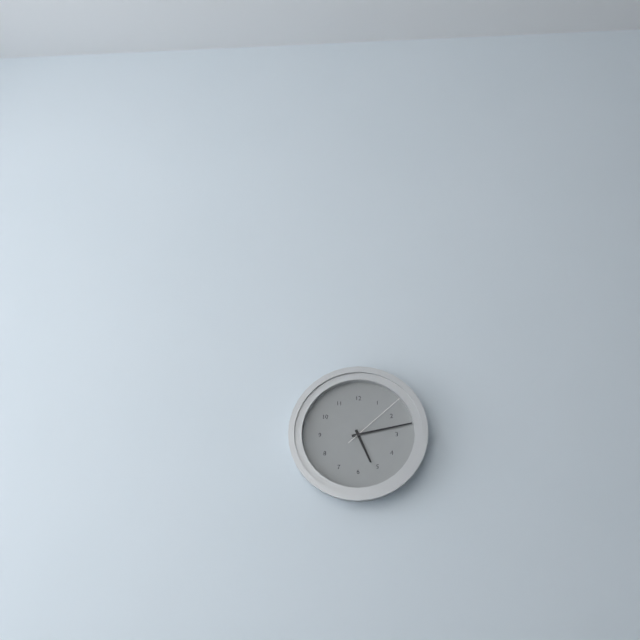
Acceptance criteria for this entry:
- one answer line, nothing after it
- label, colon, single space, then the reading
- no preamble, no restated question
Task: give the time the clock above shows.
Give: 5:13:08
